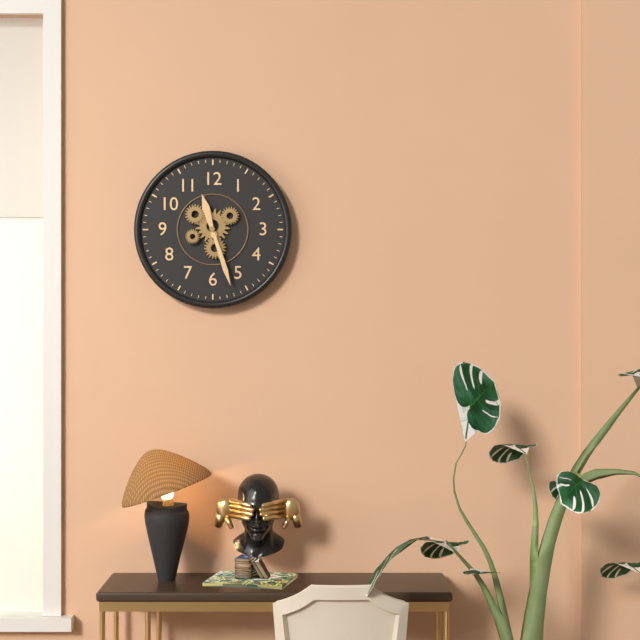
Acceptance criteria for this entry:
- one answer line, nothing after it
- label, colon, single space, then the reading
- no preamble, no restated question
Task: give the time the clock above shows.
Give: 11:27
